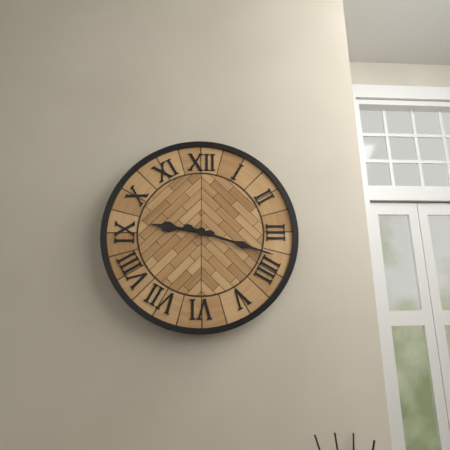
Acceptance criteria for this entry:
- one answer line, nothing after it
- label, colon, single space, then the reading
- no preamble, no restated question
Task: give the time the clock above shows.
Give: 9:18
